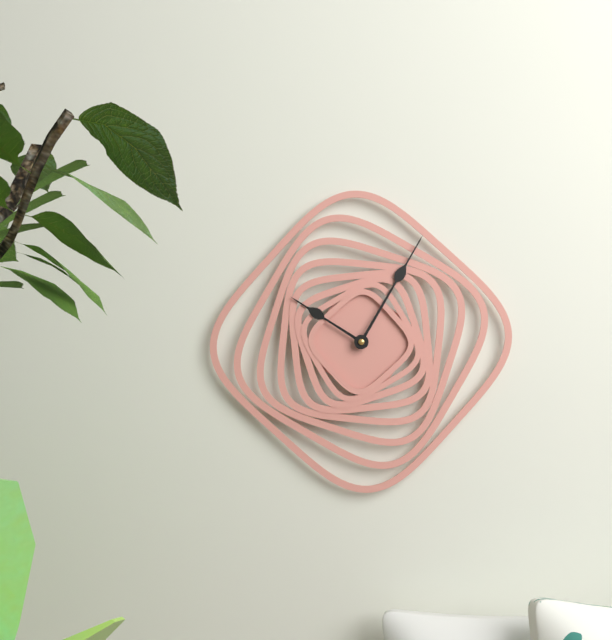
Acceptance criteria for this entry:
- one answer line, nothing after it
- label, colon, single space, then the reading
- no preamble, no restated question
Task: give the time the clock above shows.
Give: 10:05
